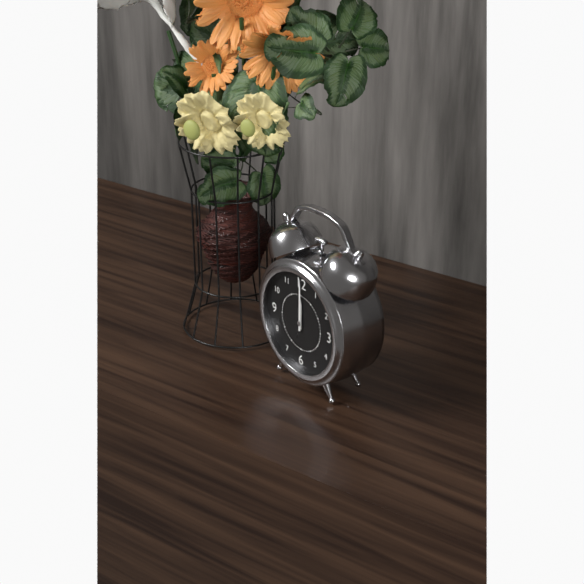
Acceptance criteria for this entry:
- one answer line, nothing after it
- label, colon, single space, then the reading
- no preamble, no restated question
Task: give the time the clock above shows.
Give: 12:00
